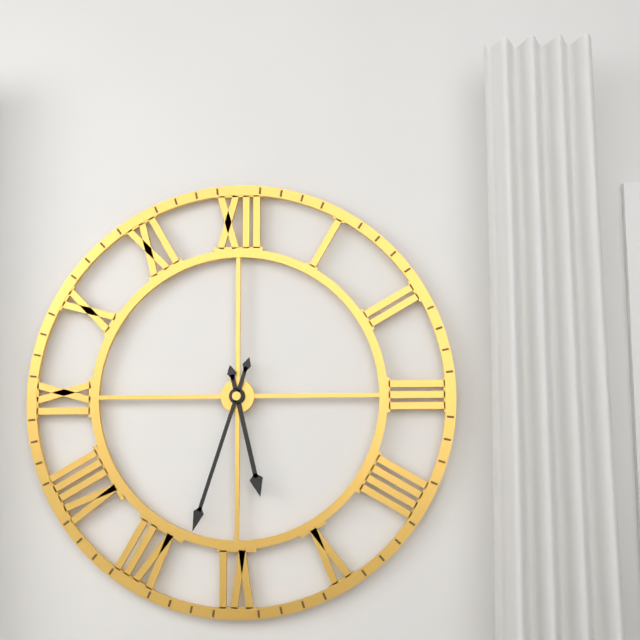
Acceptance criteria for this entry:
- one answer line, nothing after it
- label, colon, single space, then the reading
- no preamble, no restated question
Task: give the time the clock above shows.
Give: 5:33
